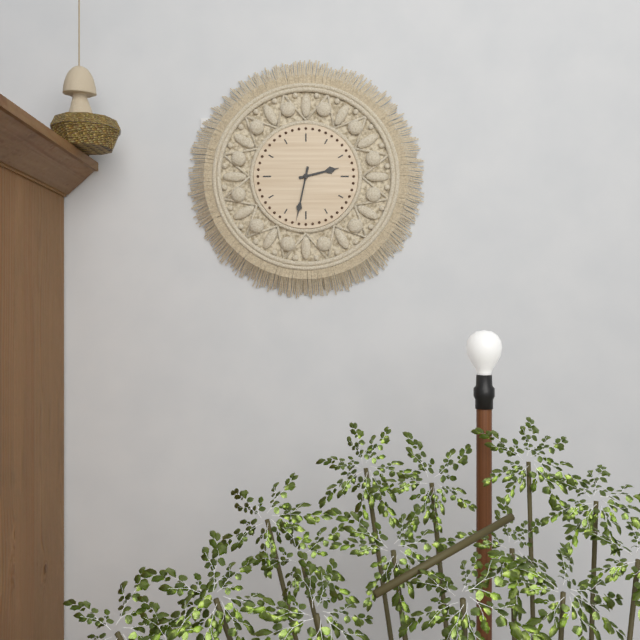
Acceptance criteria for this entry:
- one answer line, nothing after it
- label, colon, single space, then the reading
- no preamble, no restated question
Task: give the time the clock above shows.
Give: 2:32
